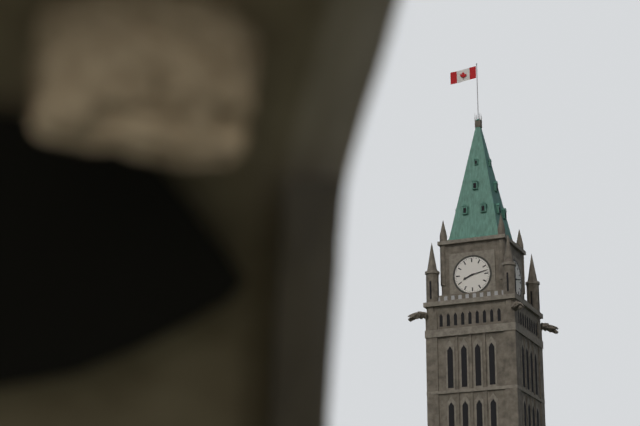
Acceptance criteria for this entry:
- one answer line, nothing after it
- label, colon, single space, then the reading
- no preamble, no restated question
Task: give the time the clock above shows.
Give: 8:13
